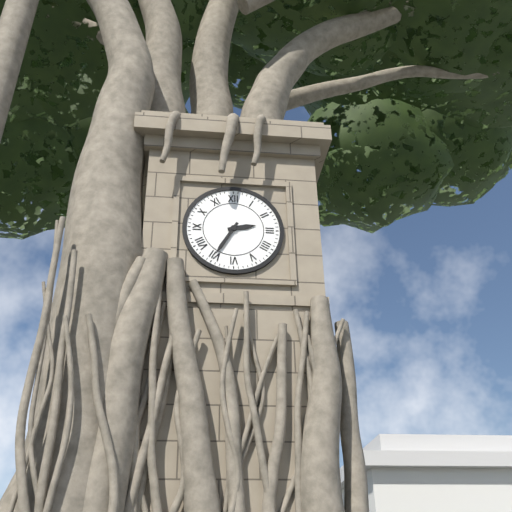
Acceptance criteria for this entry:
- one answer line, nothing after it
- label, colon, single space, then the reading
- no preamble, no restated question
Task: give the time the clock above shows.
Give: 2:35
